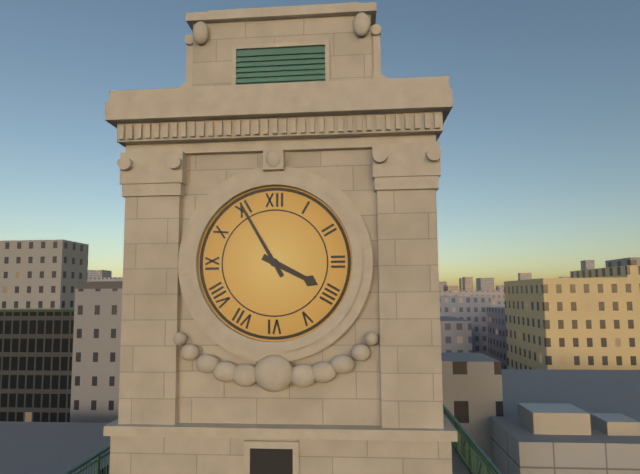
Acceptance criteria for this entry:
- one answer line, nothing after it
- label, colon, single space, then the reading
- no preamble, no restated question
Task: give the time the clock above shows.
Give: 3:55
